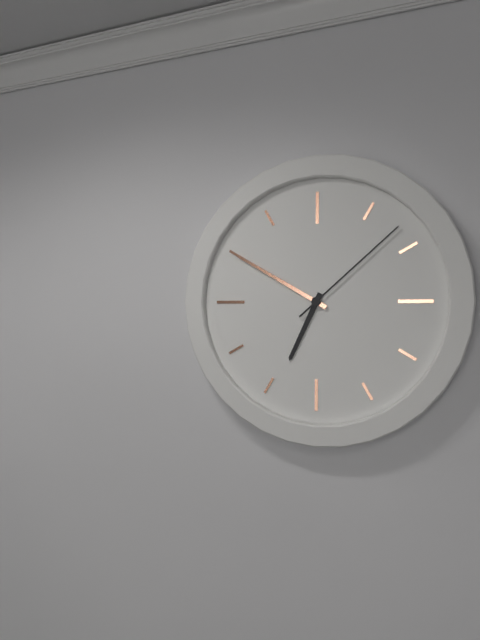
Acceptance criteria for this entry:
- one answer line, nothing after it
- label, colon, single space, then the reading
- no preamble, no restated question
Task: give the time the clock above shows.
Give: 6:50:08
